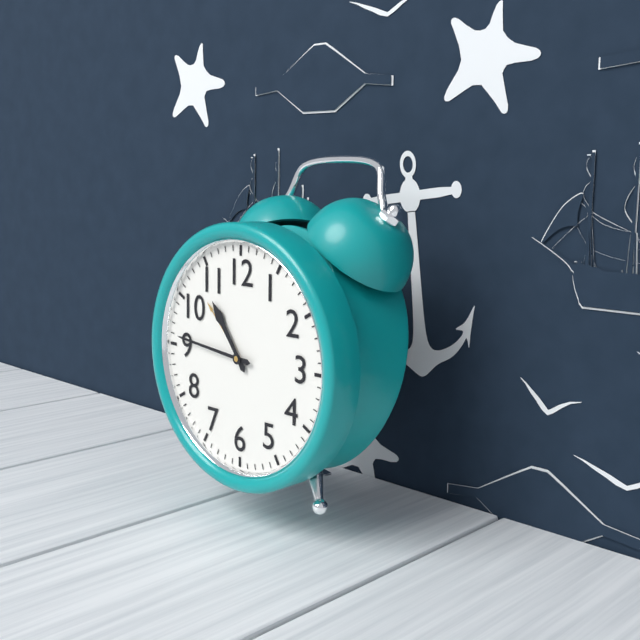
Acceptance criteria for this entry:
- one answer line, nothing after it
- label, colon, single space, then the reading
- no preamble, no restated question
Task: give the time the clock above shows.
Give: 10:46
